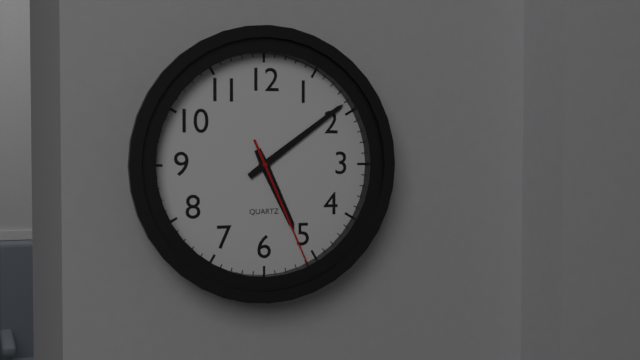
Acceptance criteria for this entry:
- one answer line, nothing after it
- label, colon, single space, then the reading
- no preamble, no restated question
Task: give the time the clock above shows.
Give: 5:09:26
